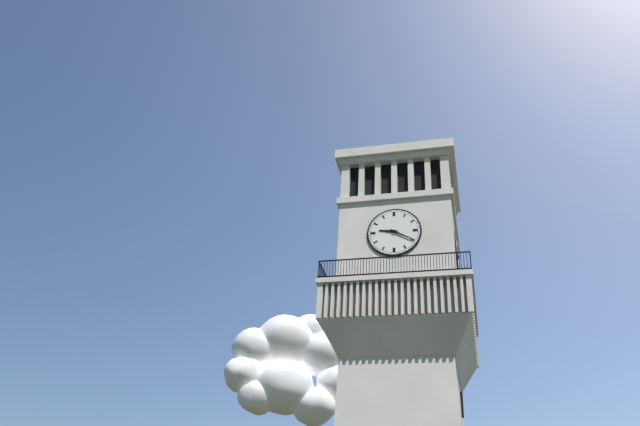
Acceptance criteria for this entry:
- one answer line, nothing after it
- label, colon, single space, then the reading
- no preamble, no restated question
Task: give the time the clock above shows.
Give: 9:20
